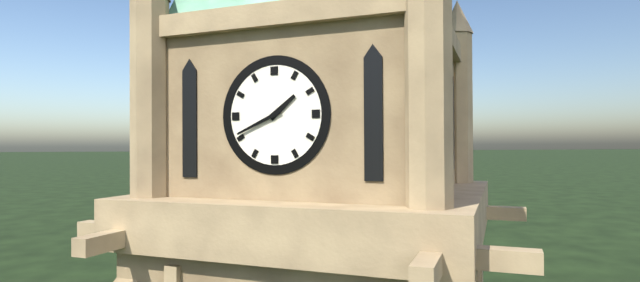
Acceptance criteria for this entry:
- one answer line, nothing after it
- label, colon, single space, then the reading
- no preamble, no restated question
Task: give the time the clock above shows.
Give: 1:41
